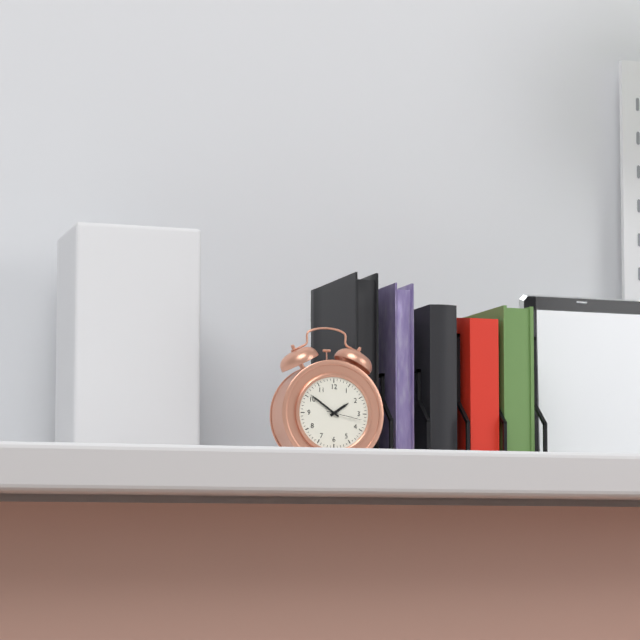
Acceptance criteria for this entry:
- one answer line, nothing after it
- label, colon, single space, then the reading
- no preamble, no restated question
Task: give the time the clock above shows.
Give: 1:51
